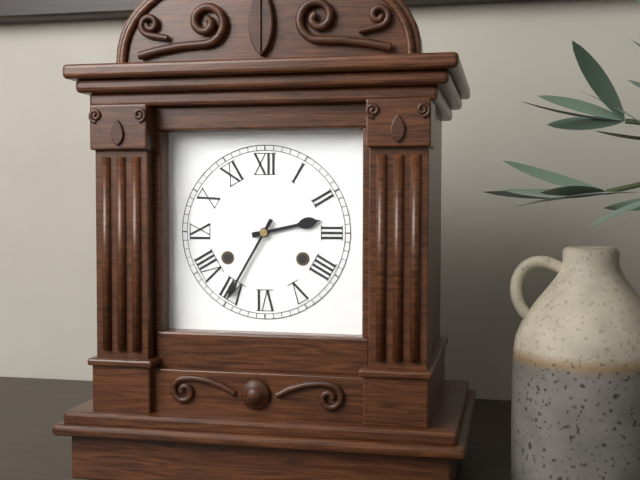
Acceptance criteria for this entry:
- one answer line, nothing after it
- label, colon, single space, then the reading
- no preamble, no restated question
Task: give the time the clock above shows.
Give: 2:35
